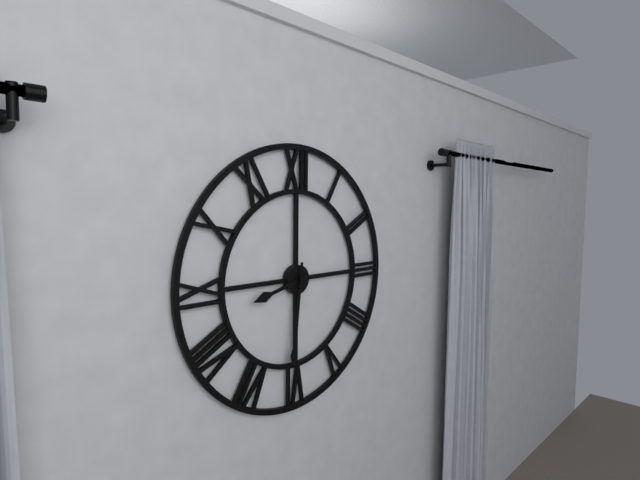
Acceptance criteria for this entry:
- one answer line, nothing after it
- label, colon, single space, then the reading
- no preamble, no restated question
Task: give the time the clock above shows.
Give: 8:31
